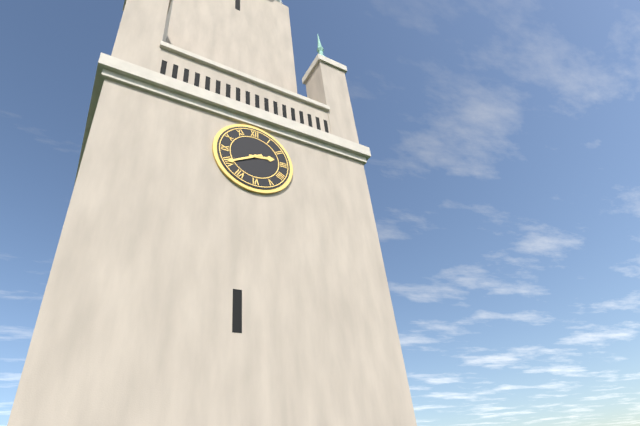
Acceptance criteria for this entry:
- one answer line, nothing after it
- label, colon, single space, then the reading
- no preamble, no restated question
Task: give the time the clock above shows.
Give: 2:40
